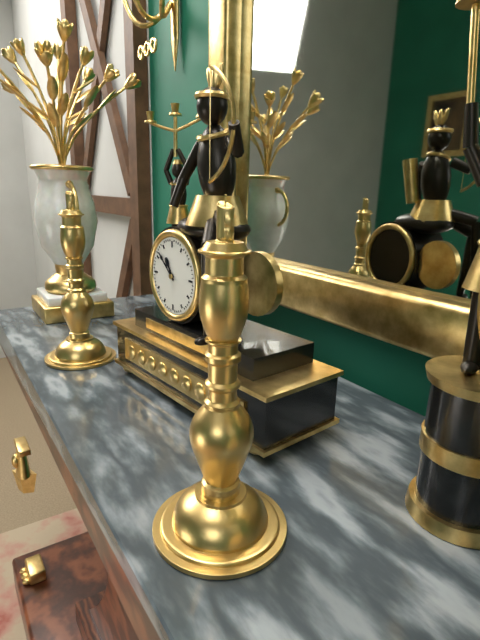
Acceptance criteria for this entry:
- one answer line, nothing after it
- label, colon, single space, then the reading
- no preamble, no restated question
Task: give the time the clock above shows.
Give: 10:52
